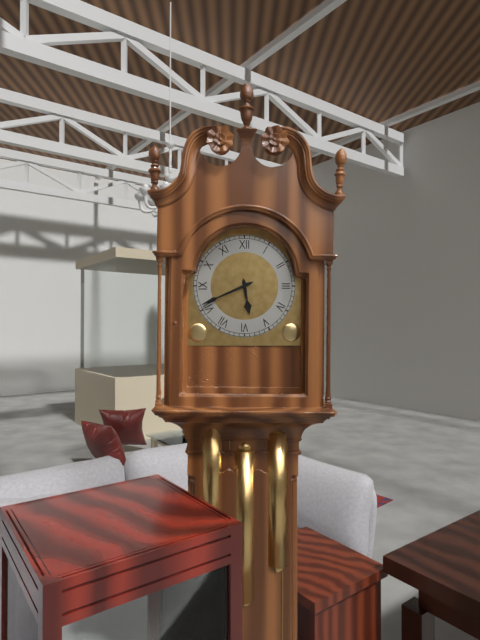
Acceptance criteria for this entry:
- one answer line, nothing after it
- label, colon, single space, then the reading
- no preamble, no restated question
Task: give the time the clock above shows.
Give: 5:41
